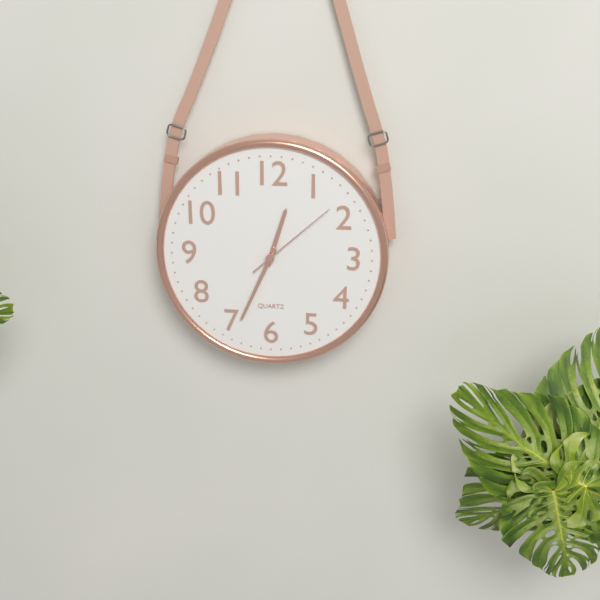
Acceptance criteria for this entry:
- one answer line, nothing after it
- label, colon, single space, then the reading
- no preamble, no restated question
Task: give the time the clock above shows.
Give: 12:34:08
